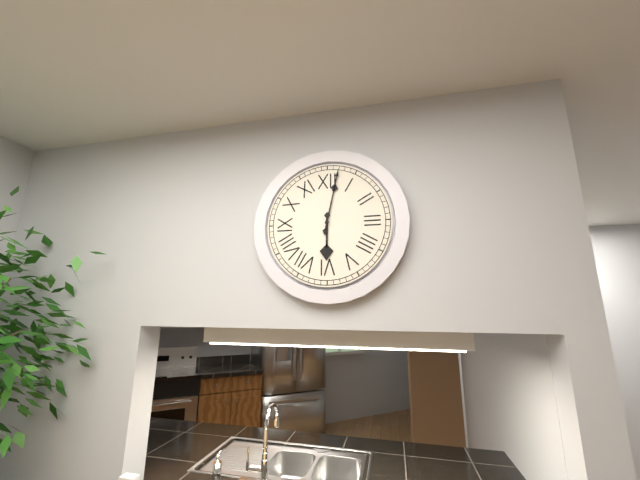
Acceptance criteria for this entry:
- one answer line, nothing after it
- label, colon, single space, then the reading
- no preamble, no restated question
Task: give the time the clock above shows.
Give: 6:02
